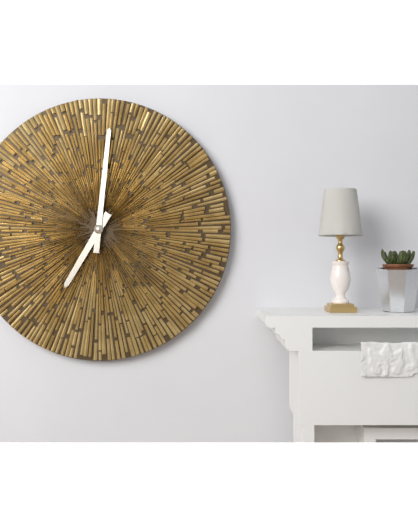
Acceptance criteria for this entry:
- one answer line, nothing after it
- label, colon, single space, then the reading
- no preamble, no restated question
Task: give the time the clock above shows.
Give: 7:01
